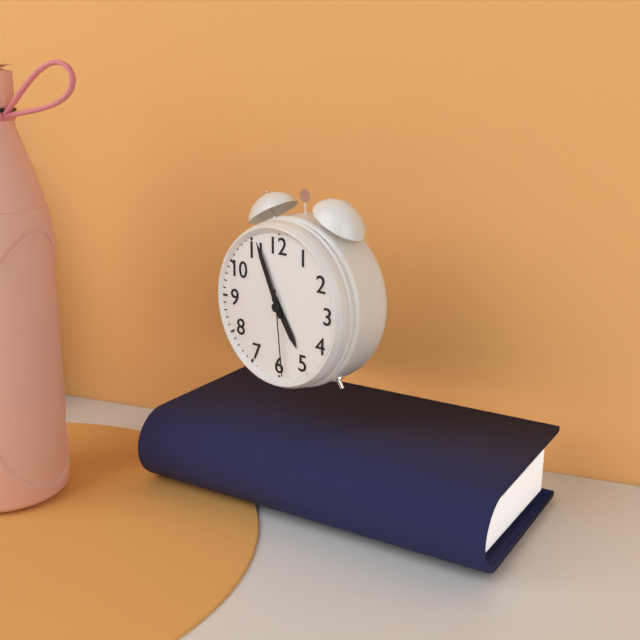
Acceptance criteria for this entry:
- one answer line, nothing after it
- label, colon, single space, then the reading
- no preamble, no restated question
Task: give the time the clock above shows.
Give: 4:56:29
